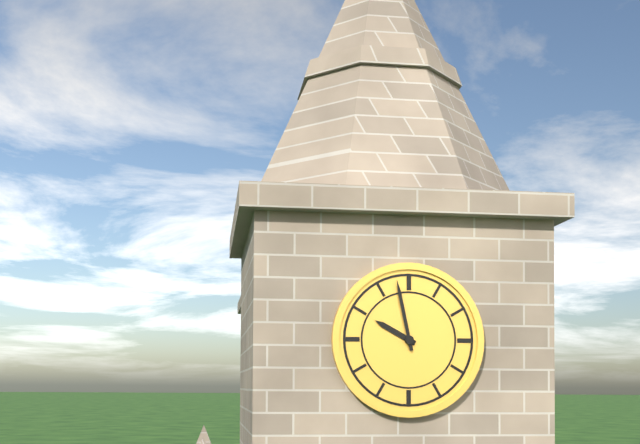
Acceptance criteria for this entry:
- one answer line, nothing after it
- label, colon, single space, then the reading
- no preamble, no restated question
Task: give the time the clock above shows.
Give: 9:58
